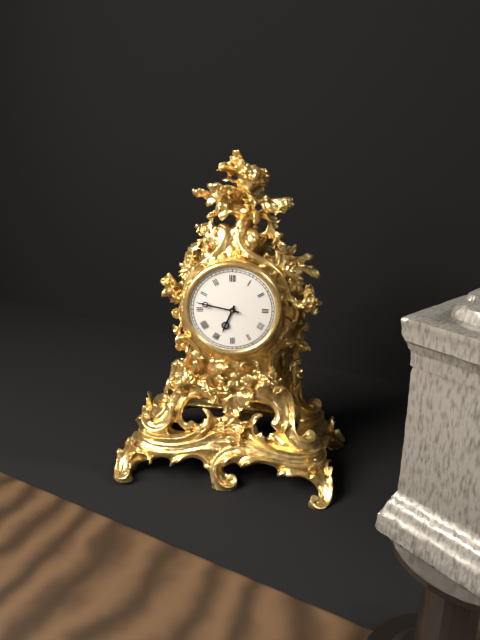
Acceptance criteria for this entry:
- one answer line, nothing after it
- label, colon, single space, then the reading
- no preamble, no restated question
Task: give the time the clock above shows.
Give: 6:47
